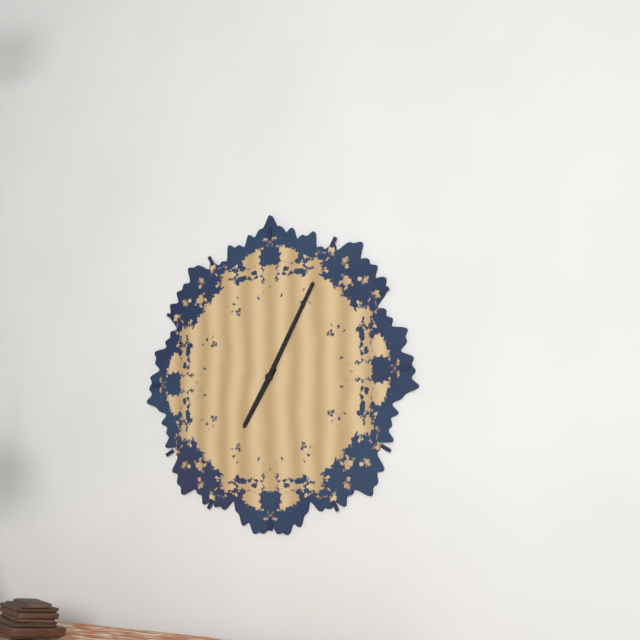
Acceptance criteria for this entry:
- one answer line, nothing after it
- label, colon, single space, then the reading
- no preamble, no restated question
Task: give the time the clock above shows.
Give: 7:05
